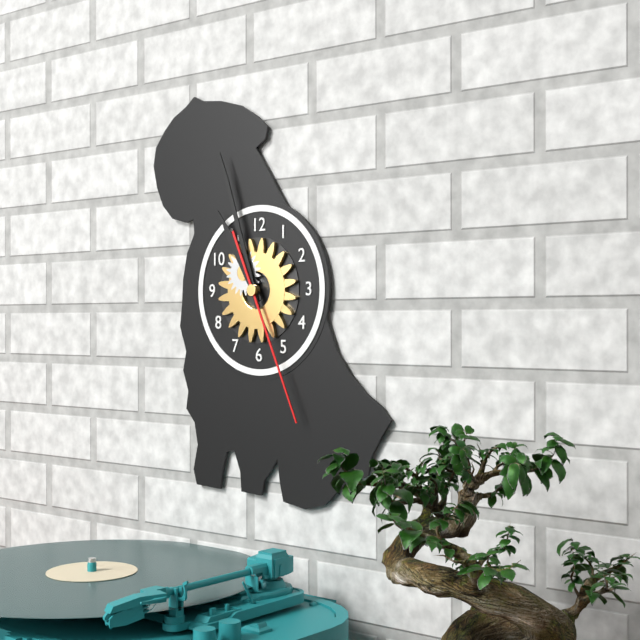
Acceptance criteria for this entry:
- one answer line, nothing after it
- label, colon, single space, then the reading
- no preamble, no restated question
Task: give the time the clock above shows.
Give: 10:57:26
